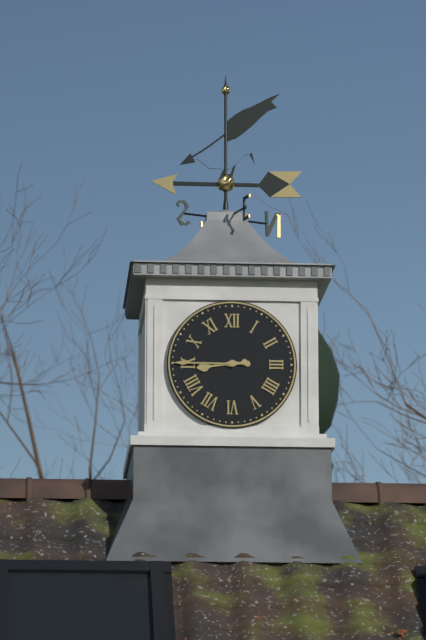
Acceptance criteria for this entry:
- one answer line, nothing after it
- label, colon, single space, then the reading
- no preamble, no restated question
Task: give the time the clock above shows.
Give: 8:45
